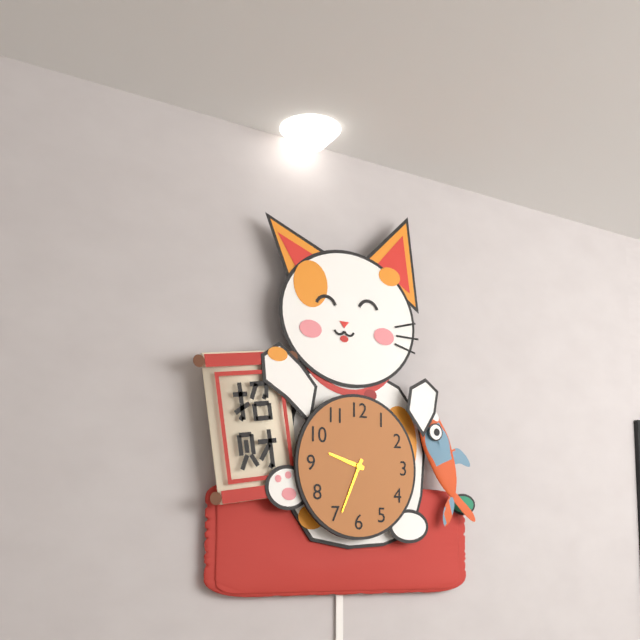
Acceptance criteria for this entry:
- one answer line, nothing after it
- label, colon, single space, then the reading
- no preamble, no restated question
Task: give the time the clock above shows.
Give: 9:34
